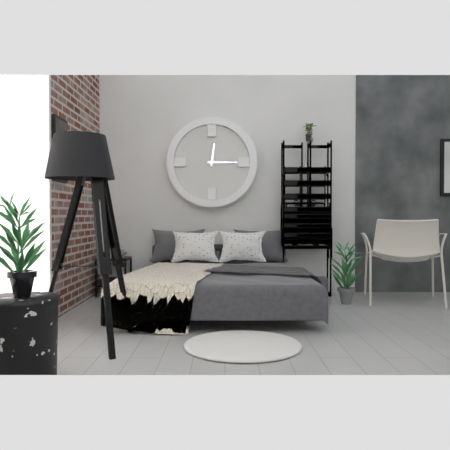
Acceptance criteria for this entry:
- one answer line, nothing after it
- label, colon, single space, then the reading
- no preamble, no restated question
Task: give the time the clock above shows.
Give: 12:15
